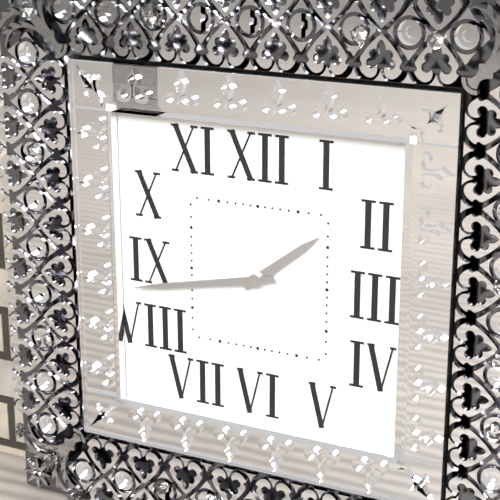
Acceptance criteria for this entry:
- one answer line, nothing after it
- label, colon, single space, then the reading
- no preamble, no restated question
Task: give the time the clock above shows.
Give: 1:43
